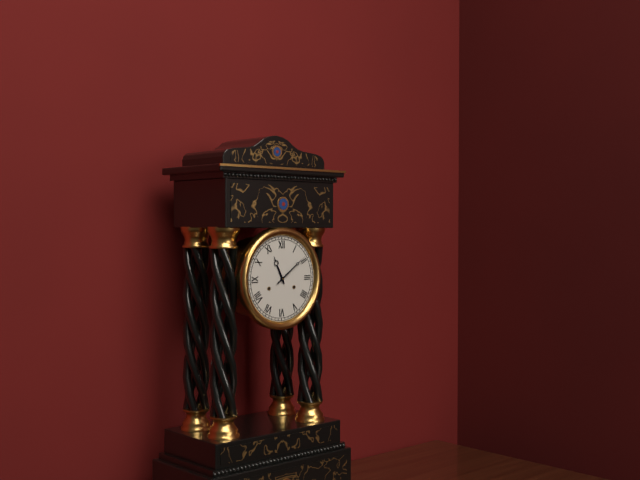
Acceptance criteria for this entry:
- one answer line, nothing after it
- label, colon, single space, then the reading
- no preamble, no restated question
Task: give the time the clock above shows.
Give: 11:09
